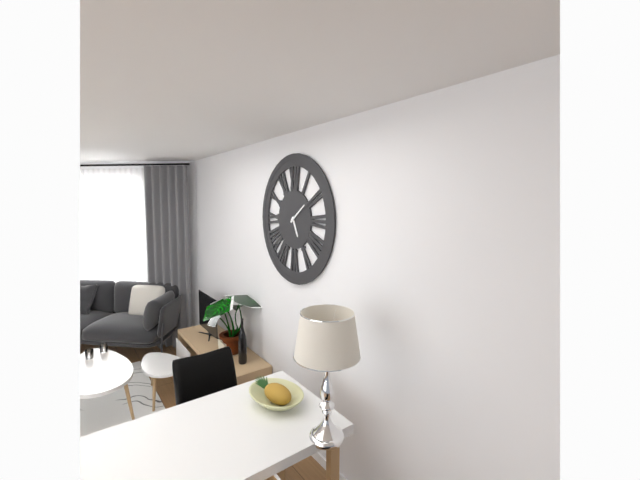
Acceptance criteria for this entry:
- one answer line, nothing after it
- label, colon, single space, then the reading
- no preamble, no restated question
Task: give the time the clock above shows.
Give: 5:09
